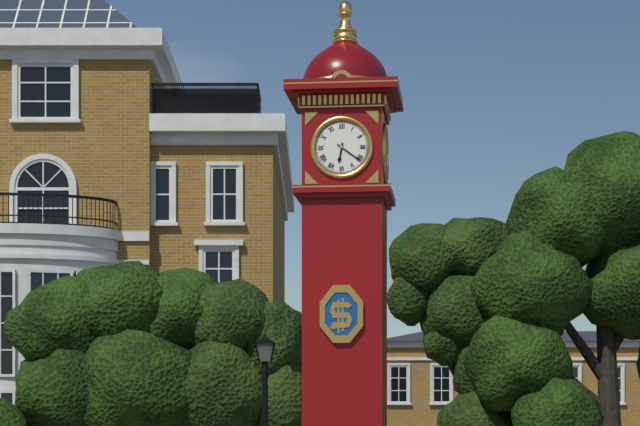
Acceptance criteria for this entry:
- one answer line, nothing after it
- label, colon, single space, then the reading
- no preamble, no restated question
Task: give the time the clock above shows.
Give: 6:21
